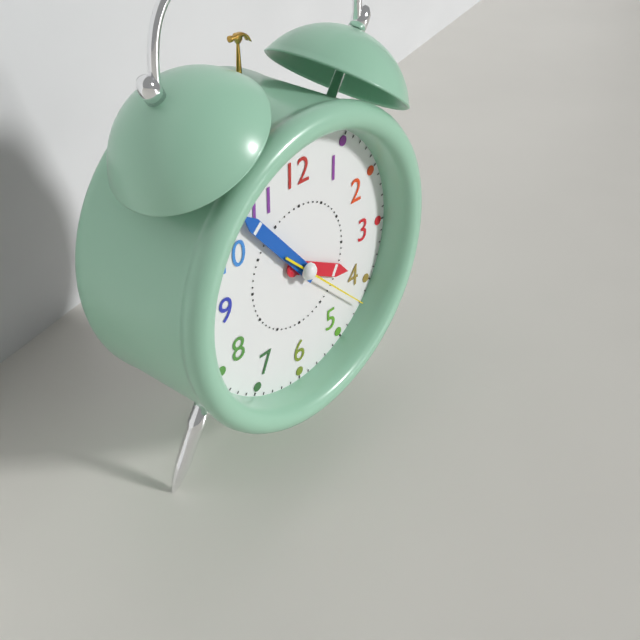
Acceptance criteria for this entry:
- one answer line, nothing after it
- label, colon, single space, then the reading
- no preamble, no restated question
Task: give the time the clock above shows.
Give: 3:53:22
